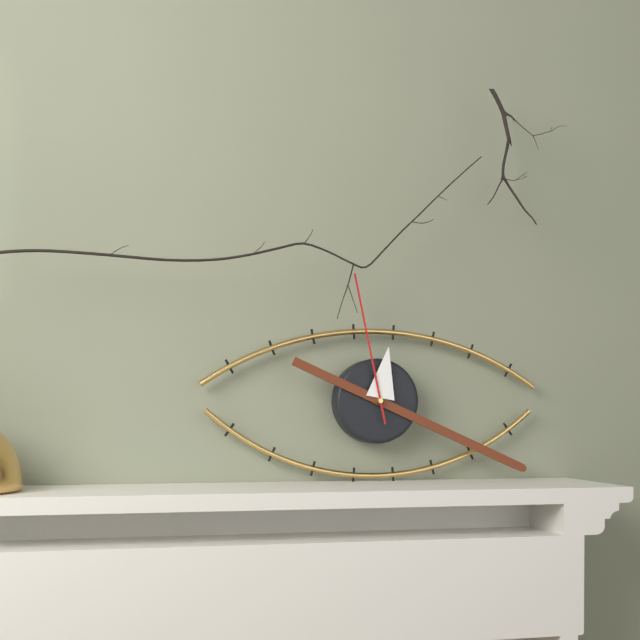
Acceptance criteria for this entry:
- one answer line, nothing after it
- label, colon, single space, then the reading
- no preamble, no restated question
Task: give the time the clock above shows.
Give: 12:19:58
